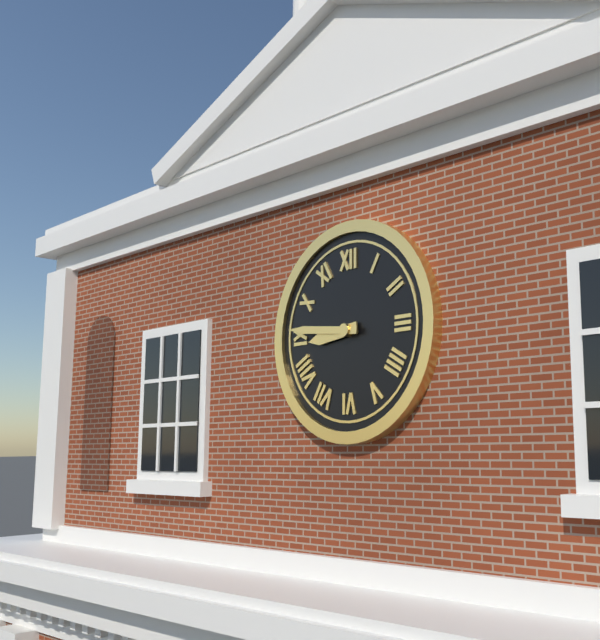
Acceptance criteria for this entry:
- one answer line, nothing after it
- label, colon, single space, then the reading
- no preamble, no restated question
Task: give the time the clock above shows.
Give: 8:46
